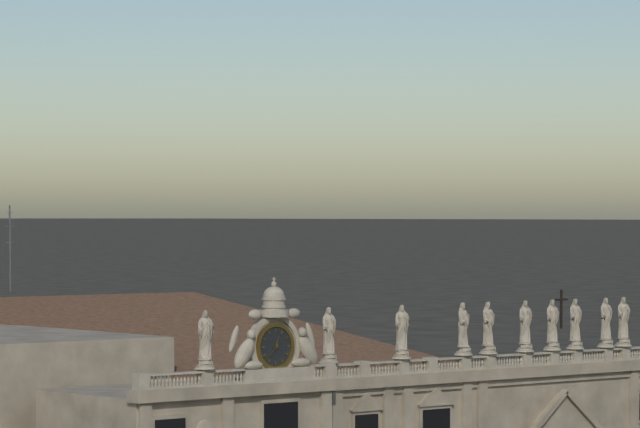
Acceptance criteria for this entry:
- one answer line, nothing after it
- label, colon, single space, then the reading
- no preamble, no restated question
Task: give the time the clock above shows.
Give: 12:37
